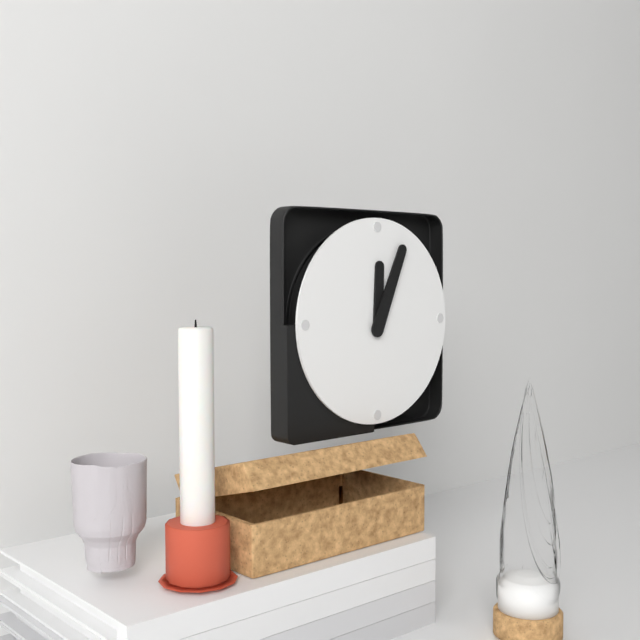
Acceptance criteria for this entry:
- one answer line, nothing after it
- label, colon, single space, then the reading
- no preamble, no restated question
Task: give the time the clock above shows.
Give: 12:04
